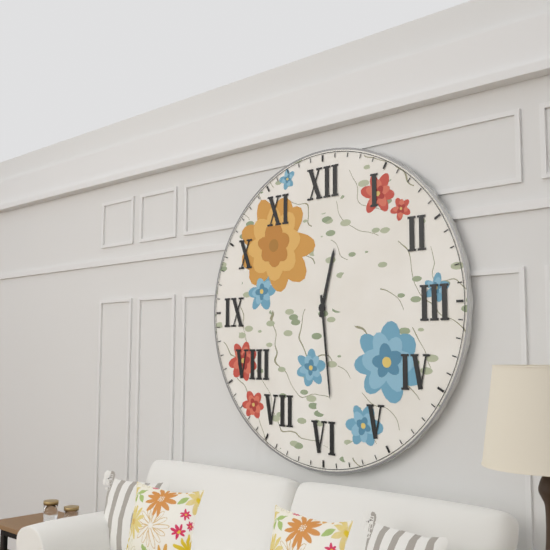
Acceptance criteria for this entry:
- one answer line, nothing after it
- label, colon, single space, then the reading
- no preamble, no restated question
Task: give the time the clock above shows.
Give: 12:29
